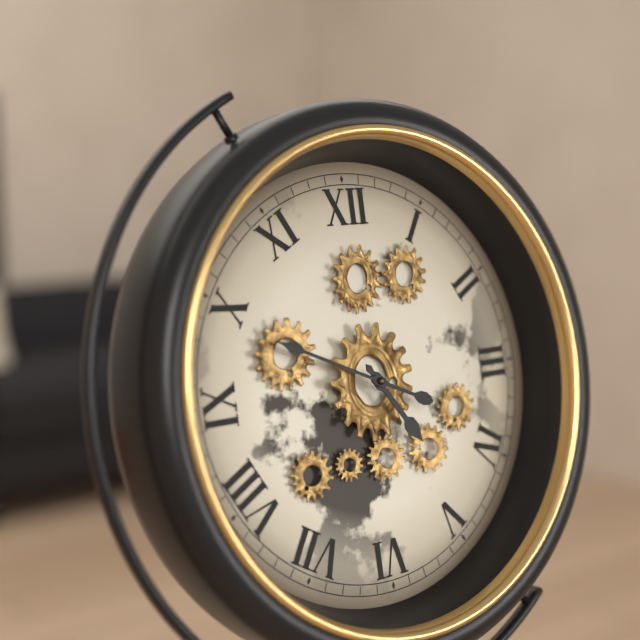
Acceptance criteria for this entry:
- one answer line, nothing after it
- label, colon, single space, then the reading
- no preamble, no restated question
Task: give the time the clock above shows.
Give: 4:49
